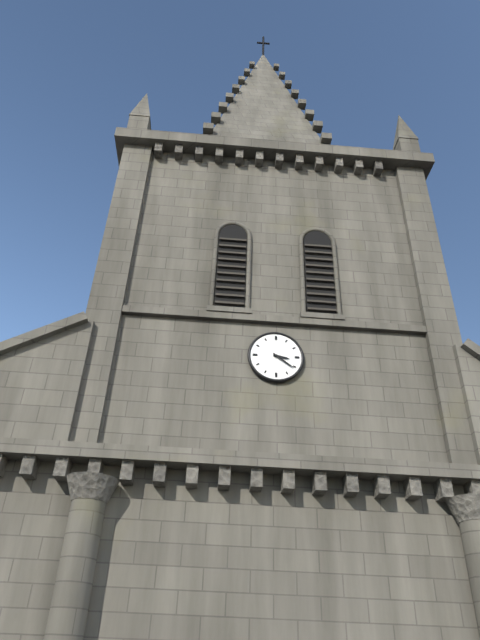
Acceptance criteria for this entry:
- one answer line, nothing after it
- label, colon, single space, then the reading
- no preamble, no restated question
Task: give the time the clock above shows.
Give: 3:21
